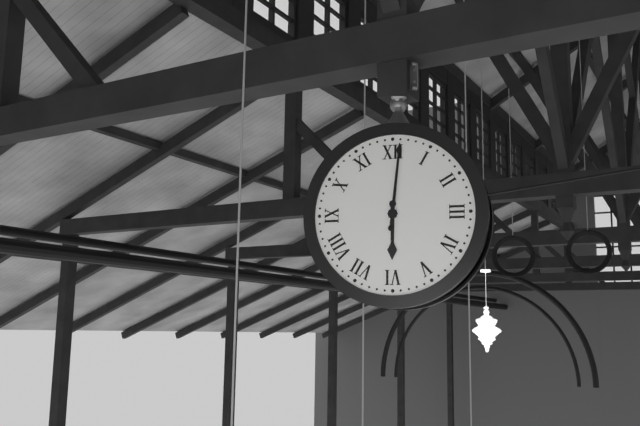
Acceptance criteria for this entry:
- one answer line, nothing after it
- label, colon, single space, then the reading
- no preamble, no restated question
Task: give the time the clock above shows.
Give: 6:01
